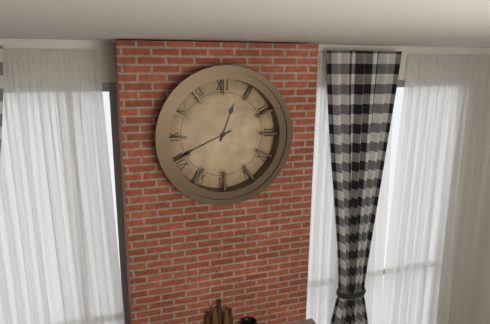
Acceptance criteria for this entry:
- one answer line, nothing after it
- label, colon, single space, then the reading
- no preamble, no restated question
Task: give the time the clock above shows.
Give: 12:41
